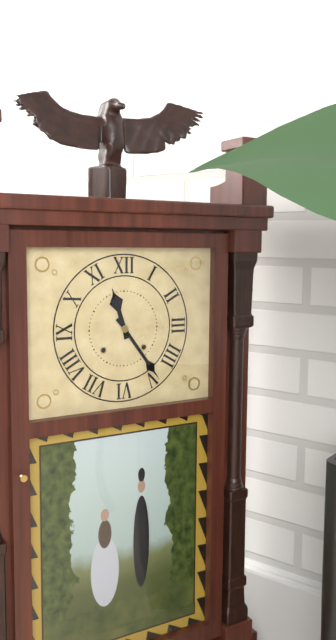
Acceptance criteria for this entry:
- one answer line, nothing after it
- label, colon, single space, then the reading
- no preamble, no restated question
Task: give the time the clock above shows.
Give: 11:24
